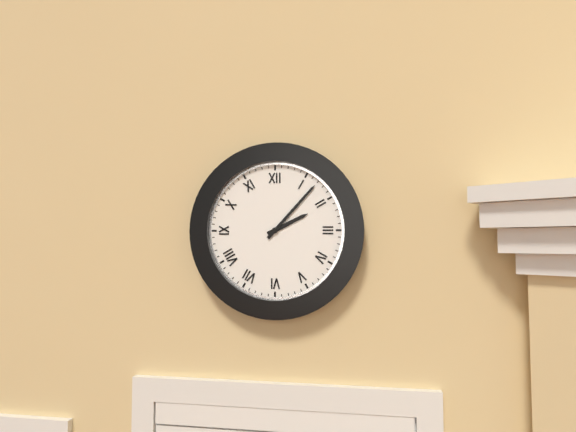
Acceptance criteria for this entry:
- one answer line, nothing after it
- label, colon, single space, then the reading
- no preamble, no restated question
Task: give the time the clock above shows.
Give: 2:07
